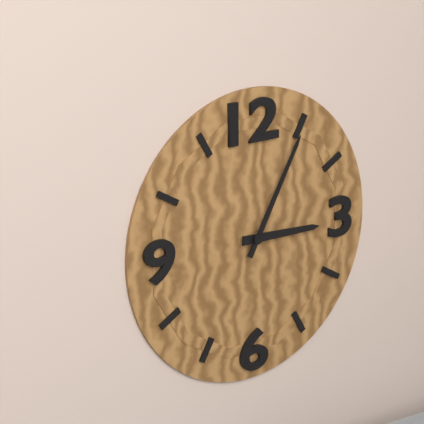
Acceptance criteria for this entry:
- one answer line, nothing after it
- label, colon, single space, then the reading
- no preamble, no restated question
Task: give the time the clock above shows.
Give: 3:05
